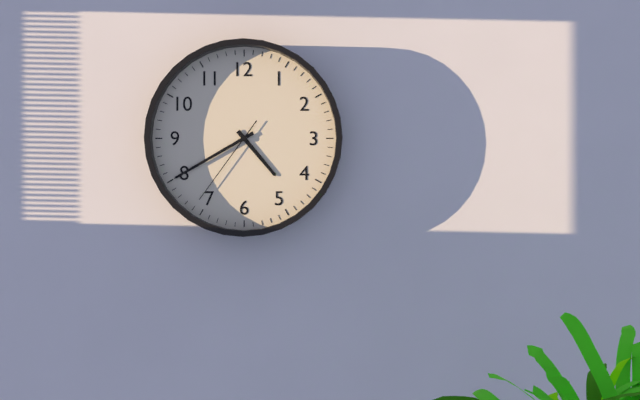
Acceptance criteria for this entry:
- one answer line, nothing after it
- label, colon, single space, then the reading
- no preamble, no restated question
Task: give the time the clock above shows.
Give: 4:40:36
